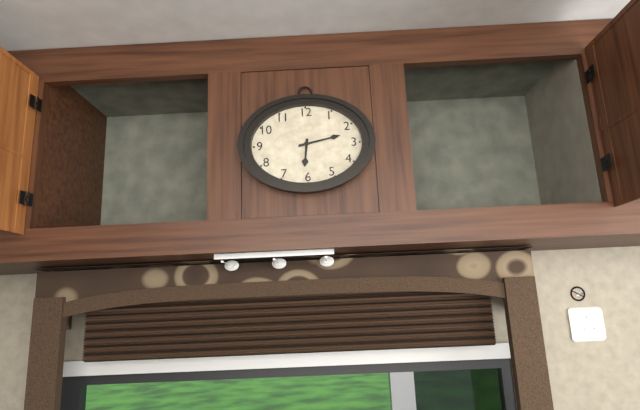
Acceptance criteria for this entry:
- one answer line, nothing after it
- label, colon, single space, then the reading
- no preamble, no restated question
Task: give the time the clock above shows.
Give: 6:13
